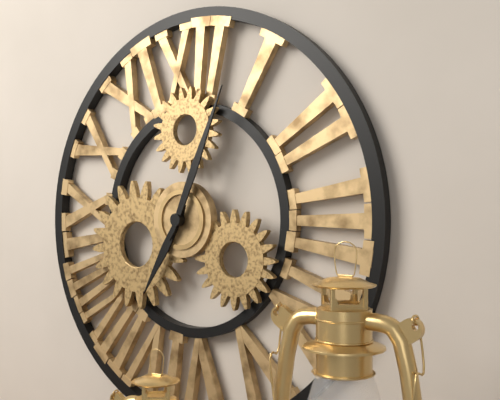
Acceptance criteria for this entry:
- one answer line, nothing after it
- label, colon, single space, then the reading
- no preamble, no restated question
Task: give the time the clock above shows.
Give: 7:04
